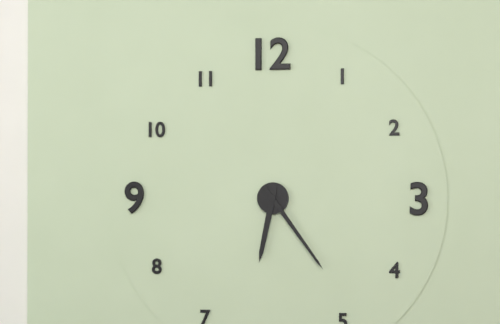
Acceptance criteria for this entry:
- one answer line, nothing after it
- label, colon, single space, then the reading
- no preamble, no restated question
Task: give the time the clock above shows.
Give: 6:24
